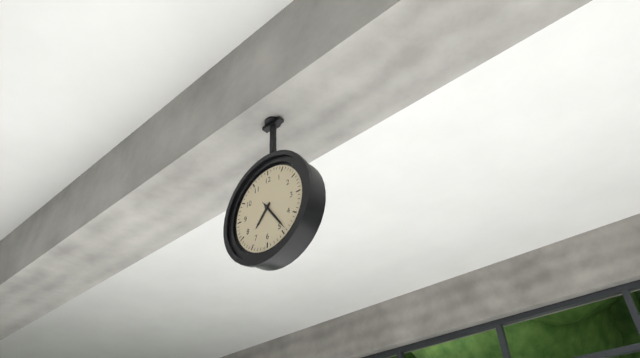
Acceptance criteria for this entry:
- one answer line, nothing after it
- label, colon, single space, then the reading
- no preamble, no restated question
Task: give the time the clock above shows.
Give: 7:24
